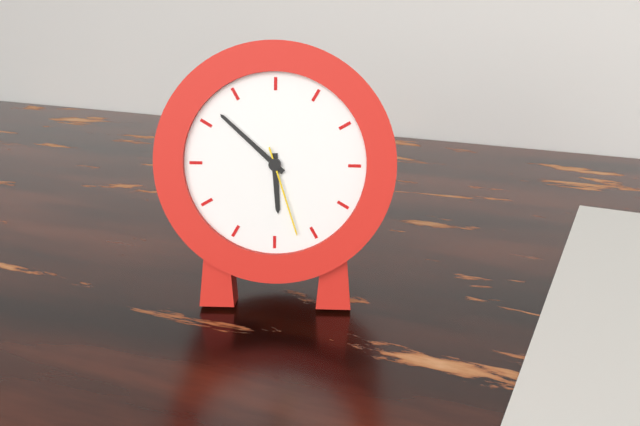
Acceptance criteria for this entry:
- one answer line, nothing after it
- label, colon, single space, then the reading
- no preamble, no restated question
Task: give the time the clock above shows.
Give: 5:52:27
